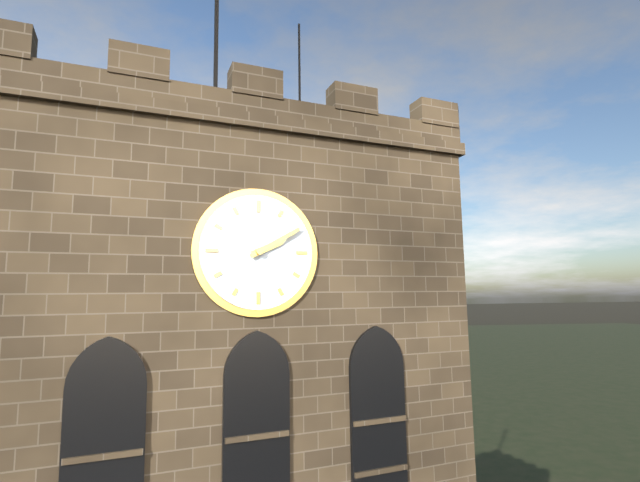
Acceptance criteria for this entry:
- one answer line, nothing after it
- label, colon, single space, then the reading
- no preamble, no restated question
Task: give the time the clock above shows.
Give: 2:10
